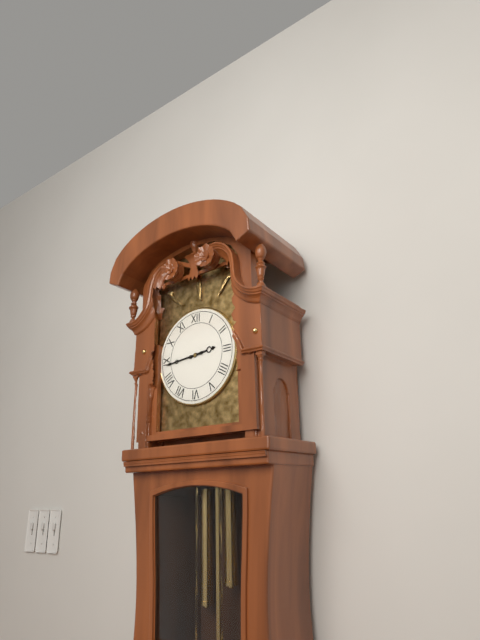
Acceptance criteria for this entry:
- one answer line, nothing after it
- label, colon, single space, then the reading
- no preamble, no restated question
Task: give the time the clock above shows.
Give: 2:44
